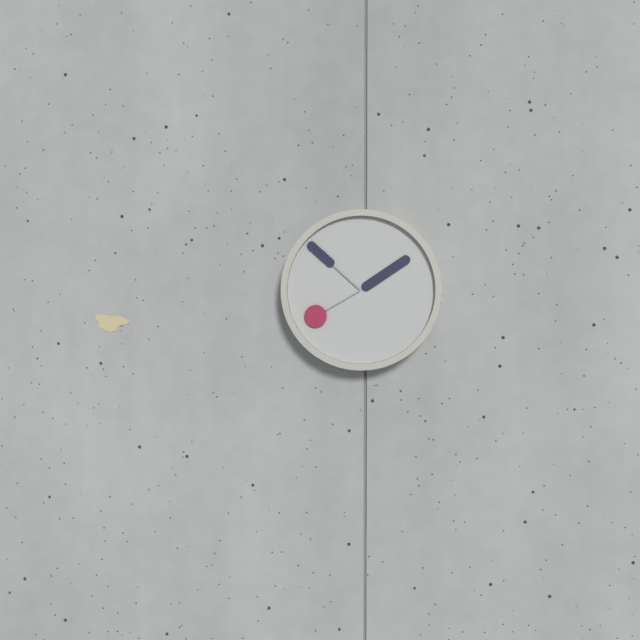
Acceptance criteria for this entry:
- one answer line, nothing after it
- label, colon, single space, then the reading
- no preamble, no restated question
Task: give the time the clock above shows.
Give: 1:52:40
